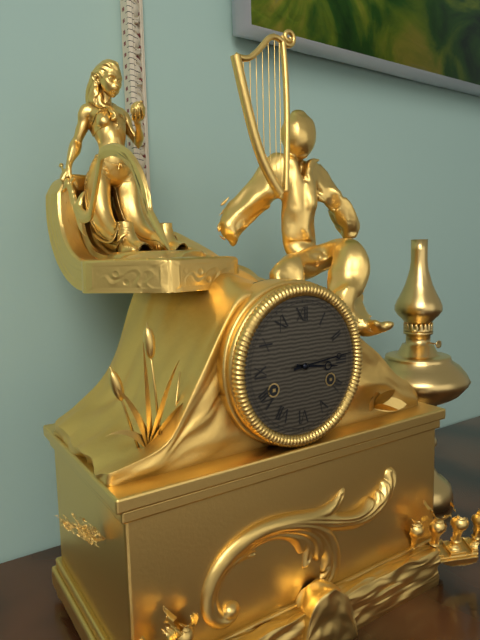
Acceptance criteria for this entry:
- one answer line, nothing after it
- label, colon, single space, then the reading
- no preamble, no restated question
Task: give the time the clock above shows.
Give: 3:14
